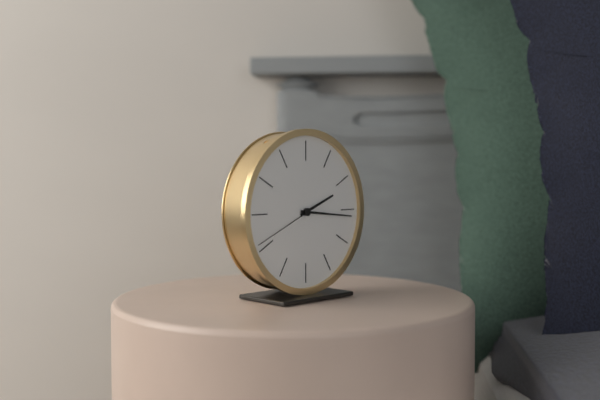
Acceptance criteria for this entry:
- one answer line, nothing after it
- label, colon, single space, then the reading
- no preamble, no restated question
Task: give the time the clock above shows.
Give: 2:16:41
